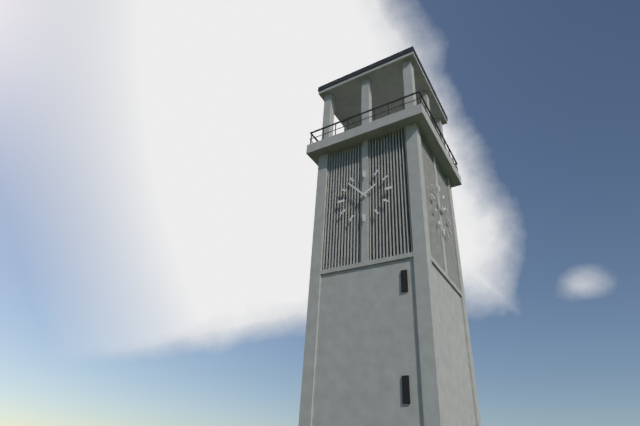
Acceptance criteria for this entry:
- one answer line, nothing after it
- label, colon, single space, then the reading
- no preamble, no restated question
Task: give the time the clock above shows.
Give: 1:53
